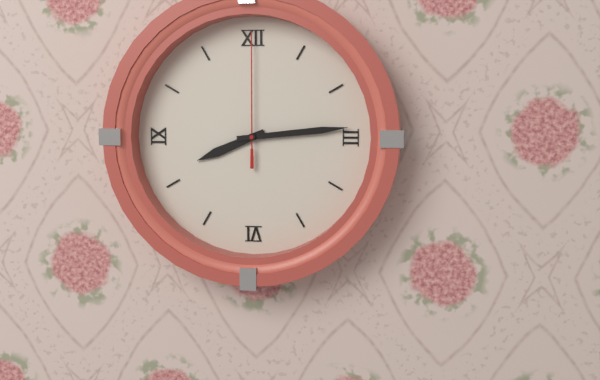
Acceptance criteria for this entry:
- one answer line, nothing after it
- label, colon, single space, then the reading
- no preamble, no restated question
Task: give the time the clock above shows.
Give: 8:14:00
